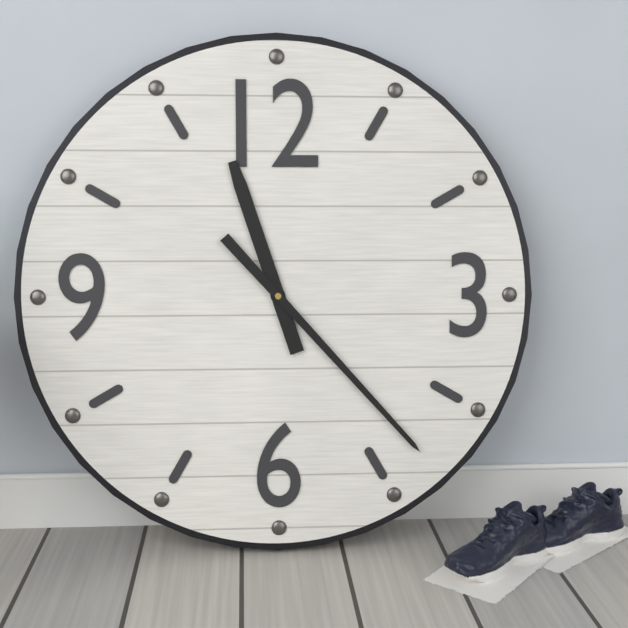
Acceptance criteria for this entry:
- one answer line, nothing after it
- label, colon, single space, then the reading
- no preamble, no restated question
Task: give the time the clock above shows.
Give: 11:23
